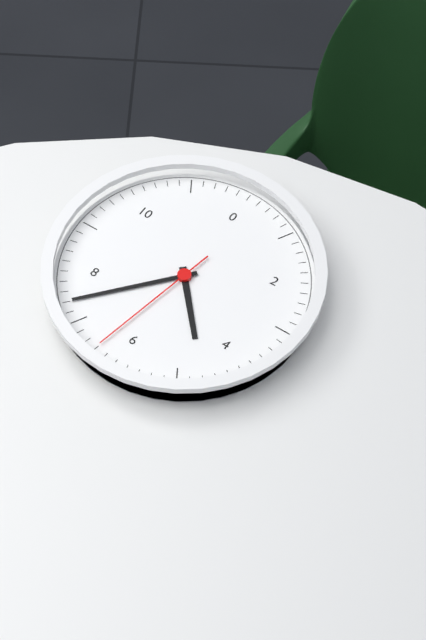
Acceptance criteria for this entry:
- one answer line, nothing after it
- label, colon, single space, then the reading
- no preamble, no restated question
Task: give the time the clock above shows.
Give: 4:37:32
